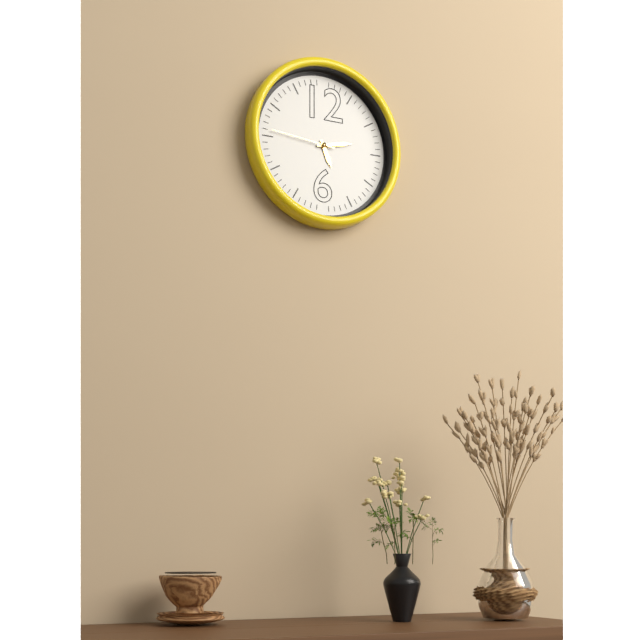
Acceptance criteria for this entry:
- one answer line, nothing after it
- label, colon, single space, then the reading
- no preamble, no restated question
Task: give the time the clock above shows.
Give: 5:13:46
